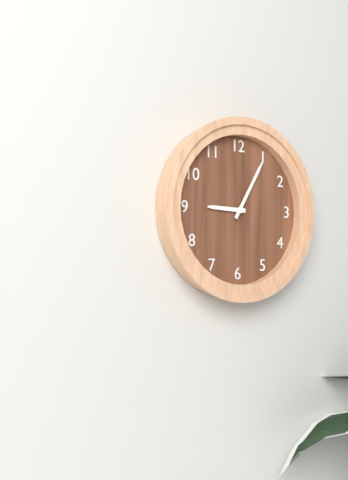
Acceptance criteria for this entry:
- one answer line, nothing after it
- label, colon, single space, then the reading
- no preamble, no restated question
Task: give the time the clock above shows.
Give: 9:05
